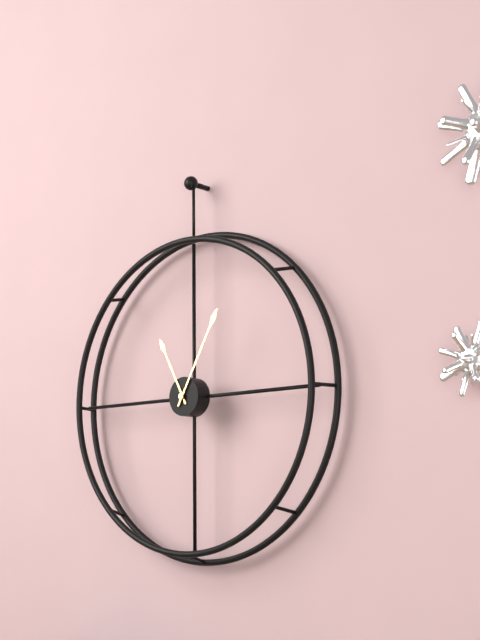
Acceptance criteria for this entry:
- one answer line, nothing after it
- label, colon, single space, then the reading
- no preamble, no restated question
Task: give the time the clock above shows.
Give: 11:05
